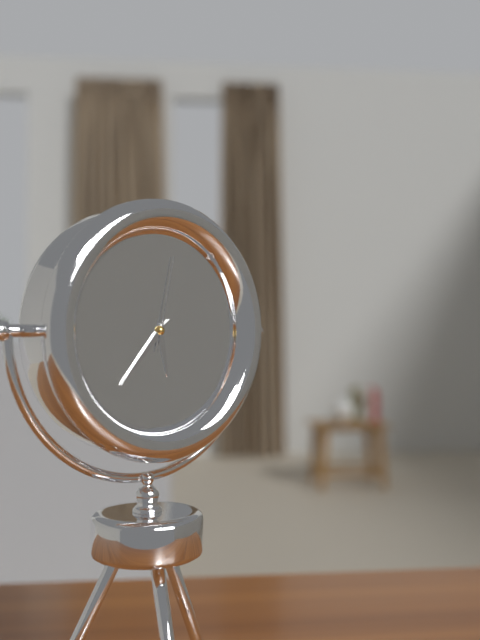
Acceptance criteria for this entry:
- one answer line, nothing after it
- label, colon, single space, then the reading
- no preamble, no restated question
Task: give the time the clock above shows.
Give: 5:37:02
